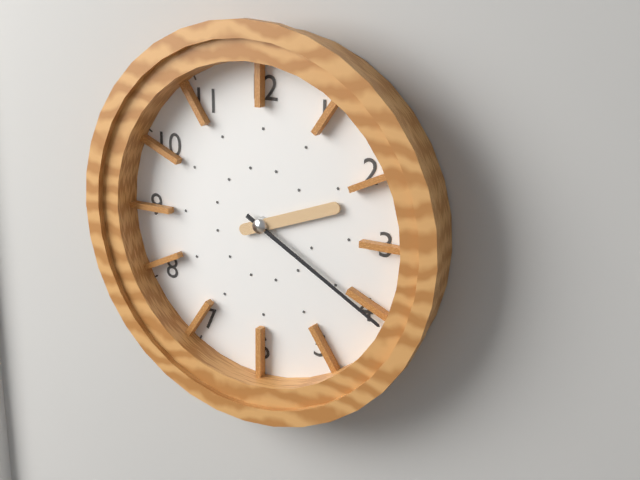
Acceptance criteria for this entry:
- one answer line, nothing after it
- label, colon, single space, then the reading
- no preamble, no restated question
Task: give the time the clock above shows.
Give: 2:20
